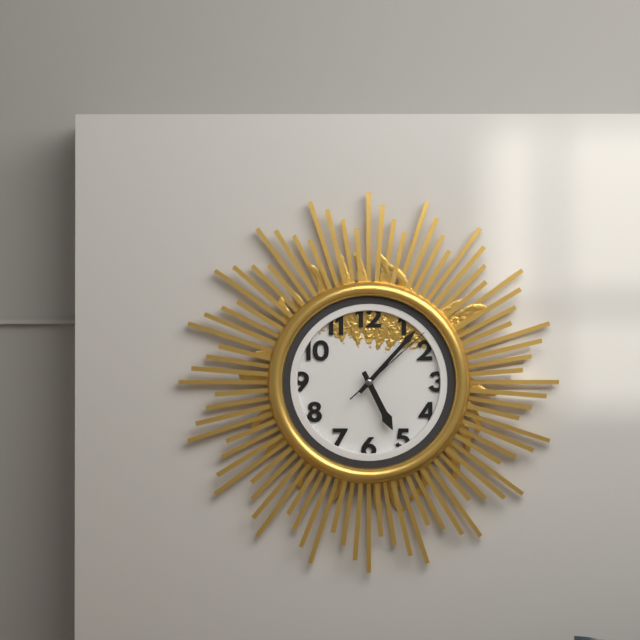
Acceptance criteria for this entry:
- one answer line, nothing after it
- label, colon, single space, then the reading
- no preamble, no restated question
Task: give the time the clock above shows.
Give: 5:07:08
